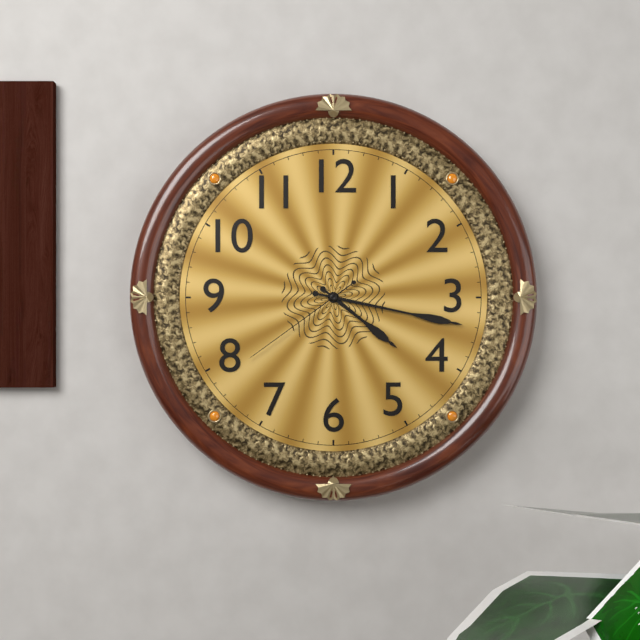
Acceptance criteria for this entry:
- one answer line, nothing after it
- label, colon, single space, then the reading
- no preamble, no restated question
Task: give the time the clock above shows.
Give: 4:17:39
